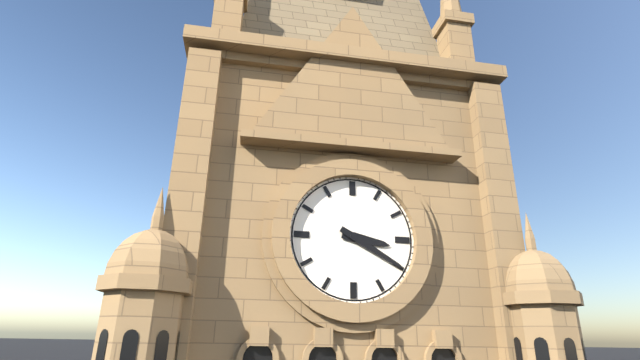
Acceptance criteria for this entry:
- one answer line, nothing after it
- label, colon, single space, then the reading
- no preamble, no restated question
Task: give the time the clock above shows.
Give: 3:20
